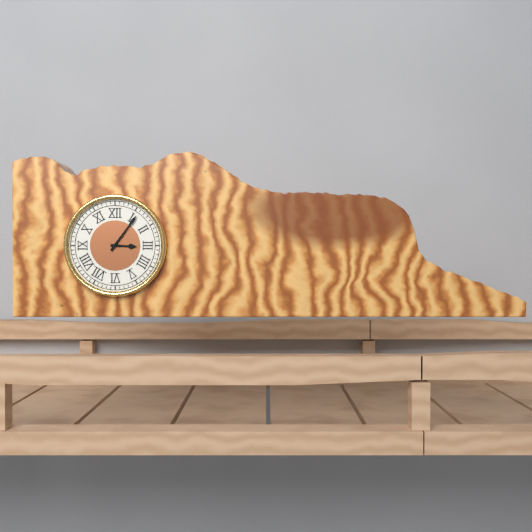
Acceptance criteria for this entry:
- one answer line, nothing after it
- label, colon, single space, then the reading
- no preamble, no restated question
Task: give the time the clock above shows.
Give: 3:06
